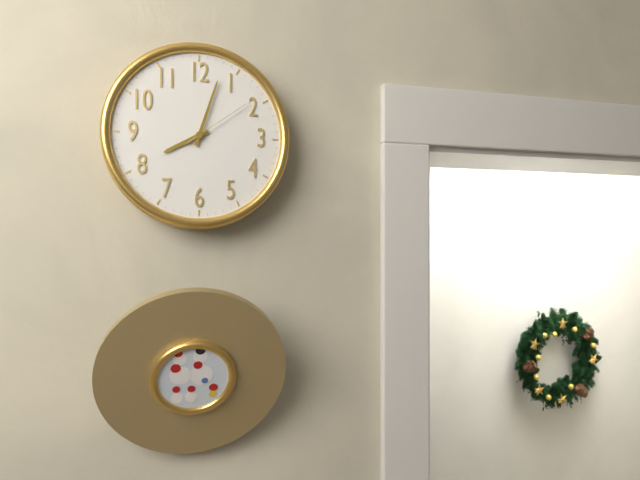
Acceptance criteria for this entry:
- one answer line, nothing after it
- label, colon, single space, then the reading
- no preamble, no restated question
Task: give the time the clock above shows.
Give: 8:03:09
